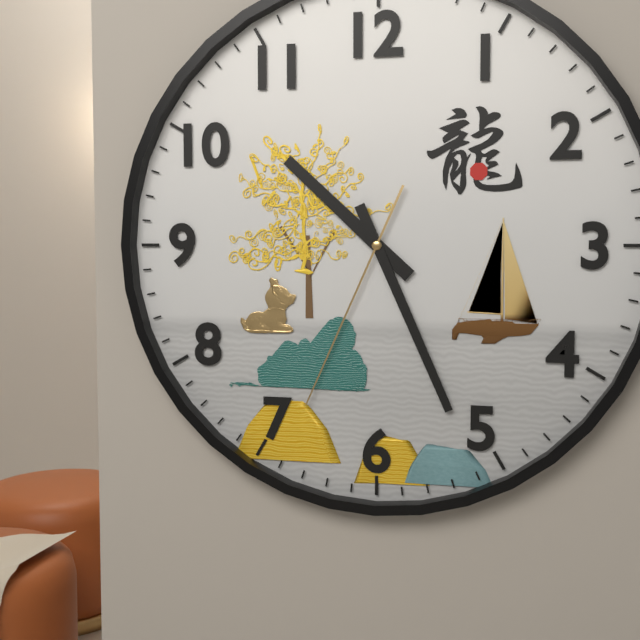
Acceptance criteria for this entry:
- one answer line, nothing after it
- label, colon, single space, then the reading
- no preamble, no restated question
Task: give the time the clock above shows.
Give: 10:26:34
